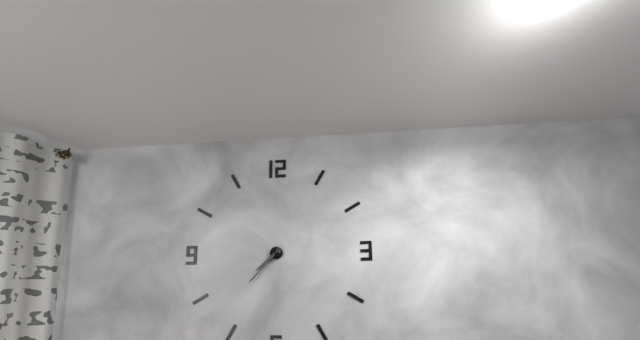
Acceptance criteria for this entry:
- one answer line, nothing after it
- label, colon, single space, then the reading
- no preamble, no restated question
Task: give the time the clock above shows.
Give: 7:37
